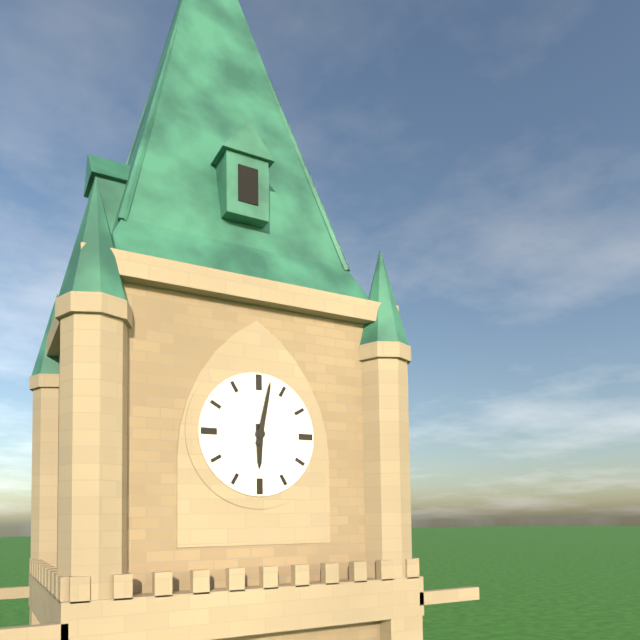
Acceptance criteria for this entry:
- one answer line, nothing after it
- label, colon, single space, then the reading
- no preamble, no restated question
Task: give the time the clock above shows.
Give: 6:02
